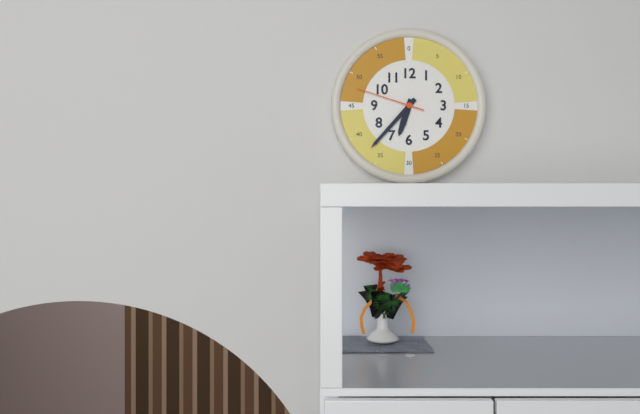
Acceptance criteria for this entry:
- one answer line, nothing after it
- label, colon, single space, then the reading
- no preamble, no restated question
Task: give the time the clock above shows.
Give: 6:37:48
